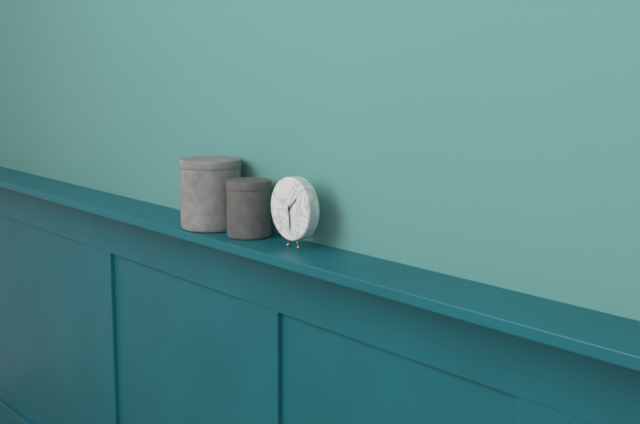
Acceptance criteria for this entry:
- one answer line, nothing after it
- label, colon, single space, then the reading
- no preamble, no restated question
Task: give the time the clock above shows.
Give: 1:29
